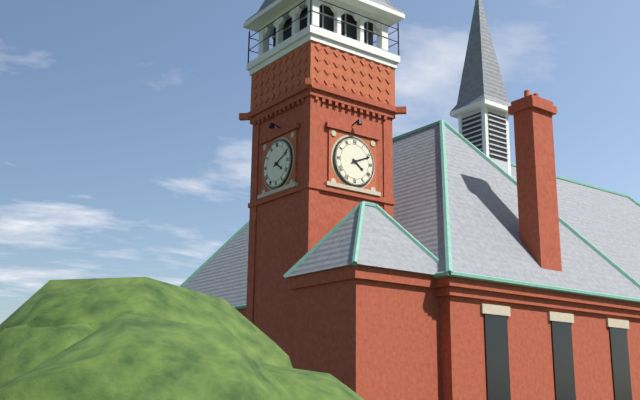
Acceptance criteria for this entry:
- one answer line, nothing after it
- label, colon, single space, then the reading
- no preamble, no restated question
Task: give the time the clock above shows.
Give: 4:11
